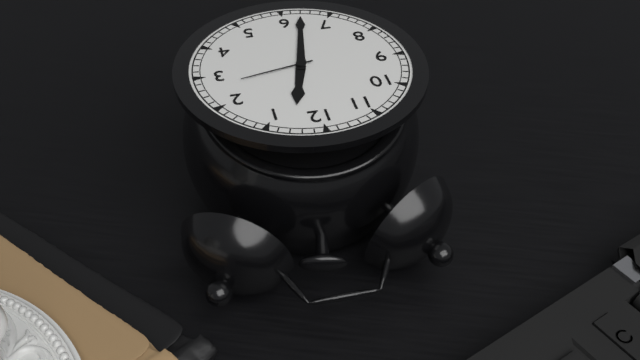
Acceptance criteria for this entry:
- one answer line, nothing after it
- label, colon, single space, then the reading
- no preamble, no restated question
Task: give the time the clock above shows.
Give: 12:32:13
